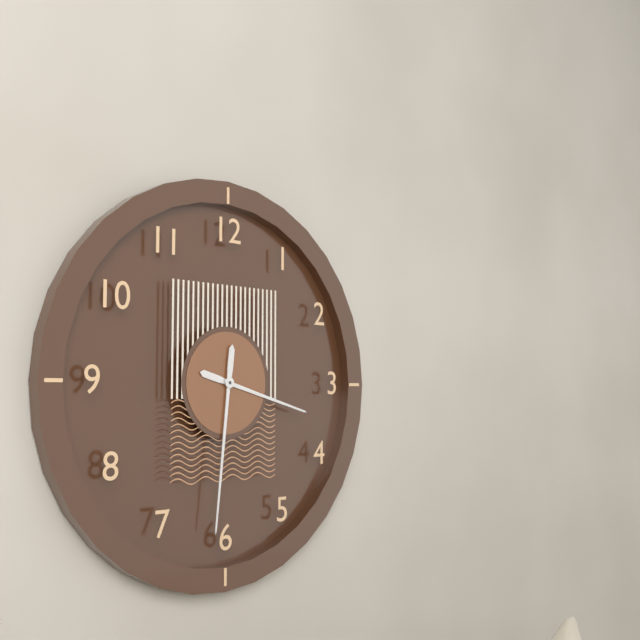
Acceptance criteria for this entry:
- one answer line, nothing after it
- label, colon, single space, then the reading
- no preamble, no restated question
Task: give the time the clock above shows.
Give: 3:31
